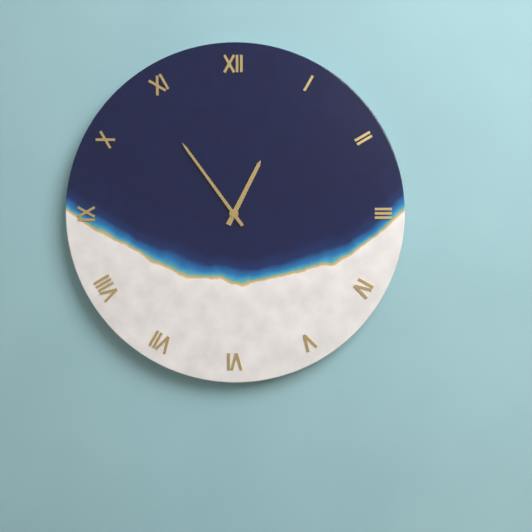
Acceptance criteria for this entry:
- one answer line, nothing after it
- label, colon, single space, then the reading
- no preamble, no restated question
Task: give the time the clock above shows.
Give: 12:54
